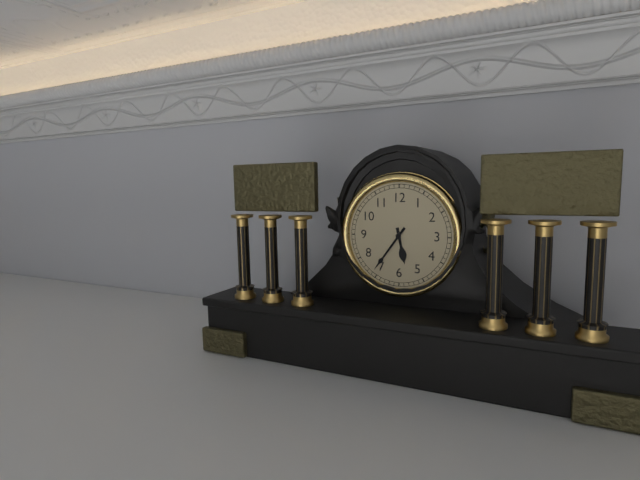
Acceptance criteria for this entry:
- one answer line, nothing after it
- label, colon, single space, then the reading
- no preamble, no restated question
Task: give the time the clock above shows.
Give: 5:36
